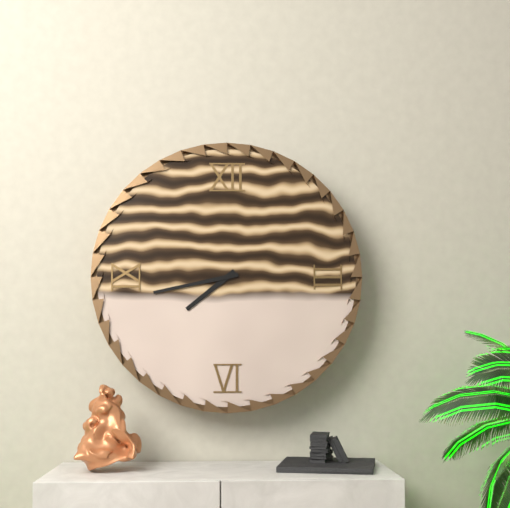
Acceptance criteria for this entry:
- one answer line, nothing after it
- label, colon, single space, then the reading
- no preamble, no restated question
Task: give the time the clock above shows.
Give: 7:43
